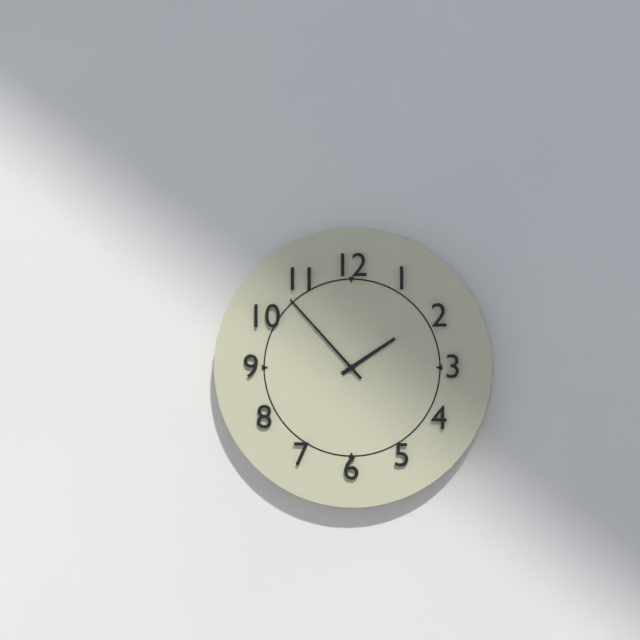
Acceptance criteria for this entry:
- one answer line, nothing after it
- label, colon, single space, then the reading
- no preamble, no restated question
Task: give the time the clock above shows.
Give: 1:53
